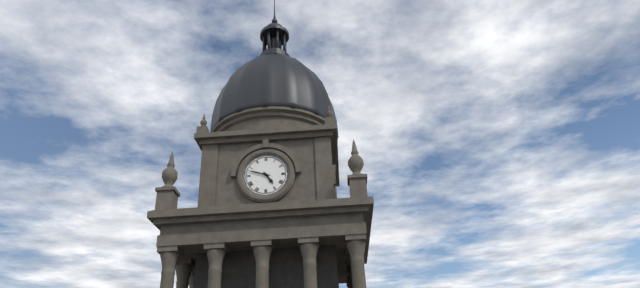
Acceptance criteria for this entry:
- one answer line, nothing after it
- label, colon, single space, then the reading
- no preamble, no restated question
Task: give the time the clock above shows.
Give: 4:48
